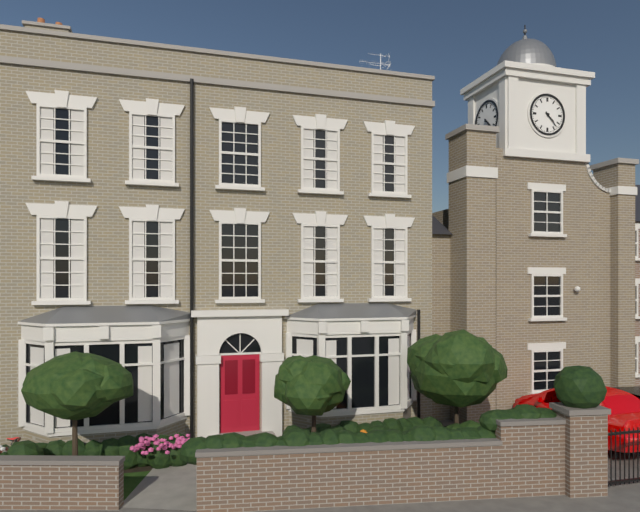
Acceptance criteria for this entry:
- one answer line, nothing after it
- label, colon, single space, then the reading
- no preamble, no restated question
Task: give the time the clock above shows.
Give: 4:23
